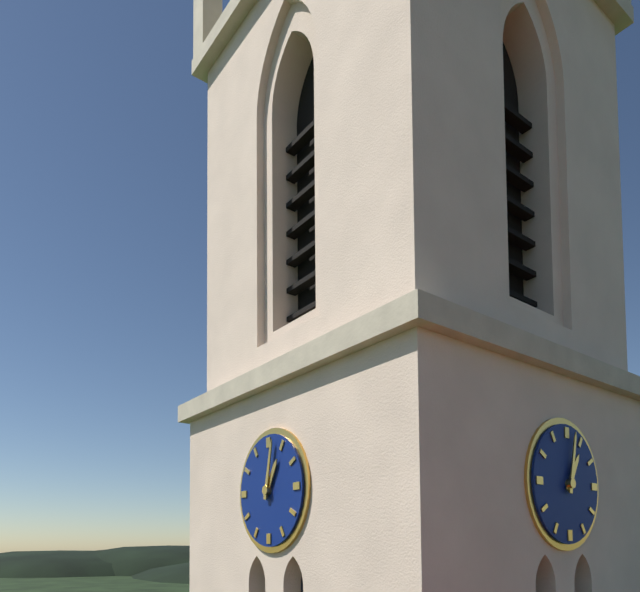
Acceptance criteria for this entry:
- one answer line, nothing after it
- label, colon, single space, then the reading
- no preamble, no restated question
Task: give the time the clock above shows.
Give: 1:02
